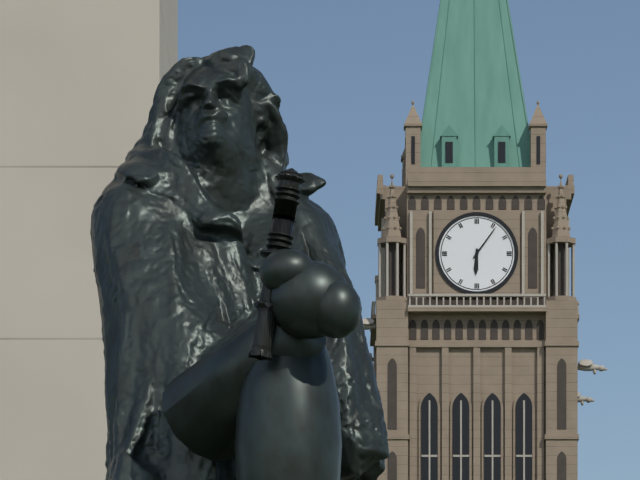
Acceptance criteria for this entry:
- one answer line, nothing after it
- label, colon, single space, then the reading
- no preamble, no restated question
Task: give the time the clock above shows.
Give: 6:06
